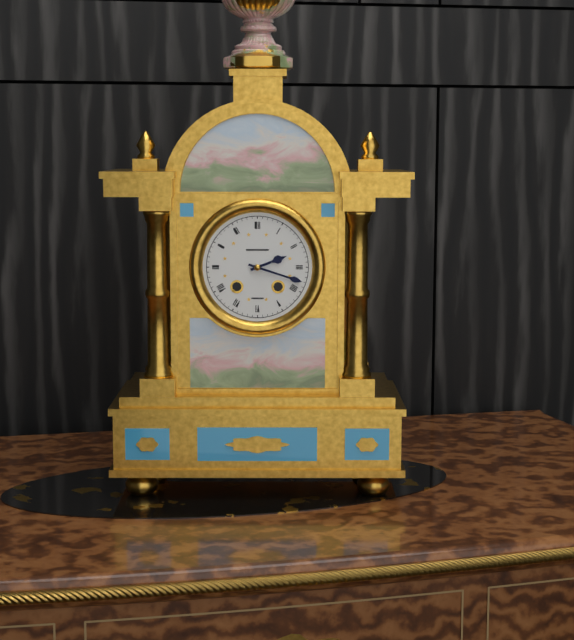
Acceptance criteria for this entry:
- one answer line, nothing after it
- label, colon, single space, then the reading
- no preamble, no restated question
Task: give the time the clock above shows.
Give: 2:18
